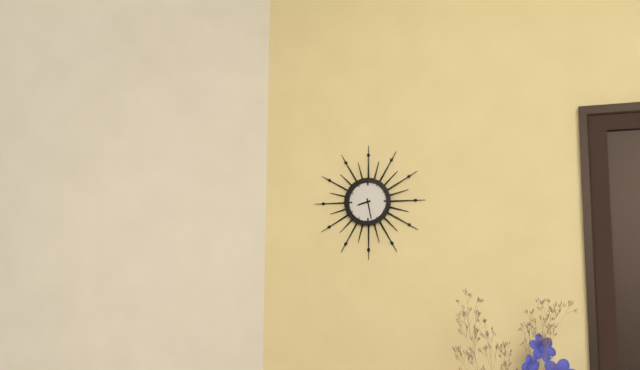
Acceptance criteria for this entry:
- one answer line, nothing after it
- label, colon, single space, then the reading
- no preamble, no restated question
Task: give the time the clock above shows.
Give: 8:28
